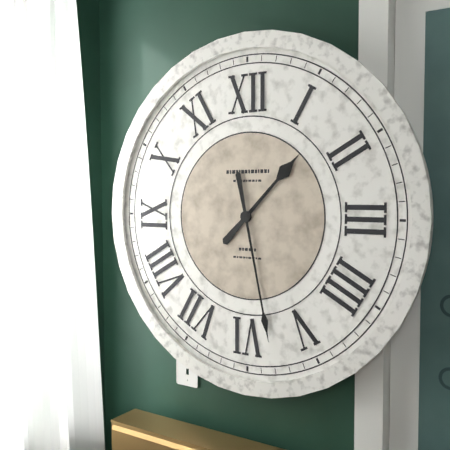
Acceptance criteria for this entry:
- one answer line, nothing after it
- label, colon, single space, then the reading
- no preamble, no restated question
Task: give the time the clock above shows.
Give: 1:28
